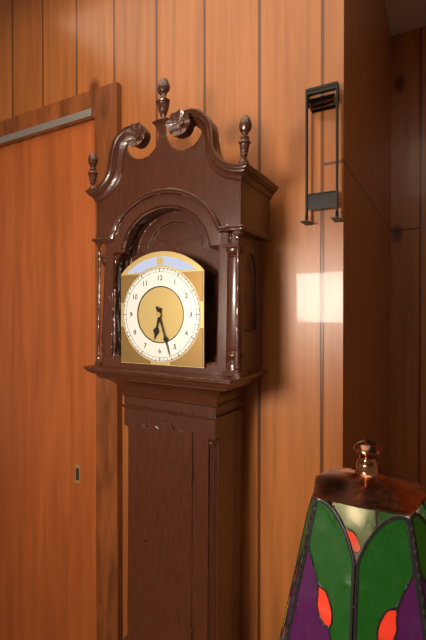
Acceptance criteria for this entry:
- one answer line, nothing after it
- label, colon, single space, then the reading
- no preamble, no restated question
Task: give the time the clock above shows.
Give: 6:27
